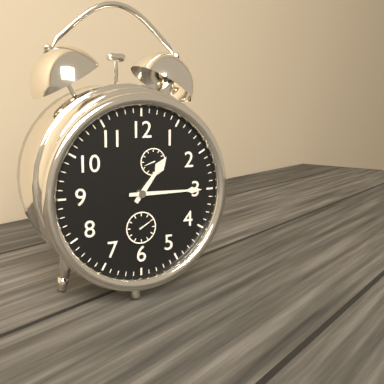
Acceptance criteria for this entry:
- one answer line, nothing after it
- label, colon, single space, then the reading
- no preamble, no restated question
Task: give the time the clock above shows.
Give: 1:15
